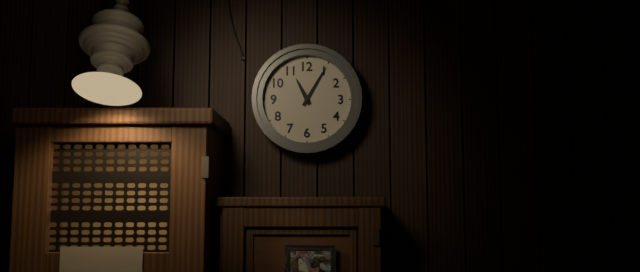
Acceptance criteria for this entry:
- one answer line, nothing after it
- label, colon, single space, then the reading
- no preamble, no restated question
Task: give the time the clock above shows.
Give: 11:05
